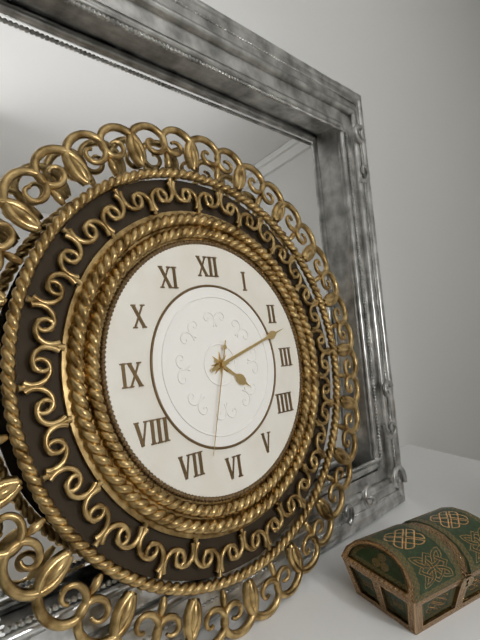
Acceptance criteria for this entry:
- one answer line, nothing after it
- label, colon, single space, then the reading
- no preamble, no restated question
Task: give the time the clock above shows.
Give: 4:12:33
